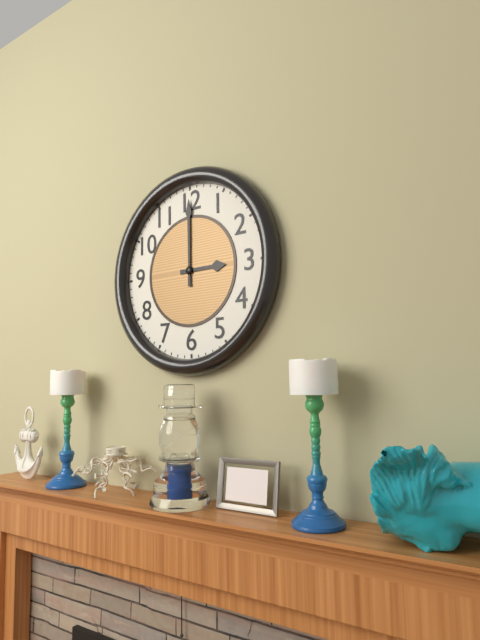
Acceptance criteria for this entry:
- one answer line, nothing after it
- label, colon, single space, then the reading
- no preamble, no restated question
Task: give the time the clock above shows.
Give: 3:00
